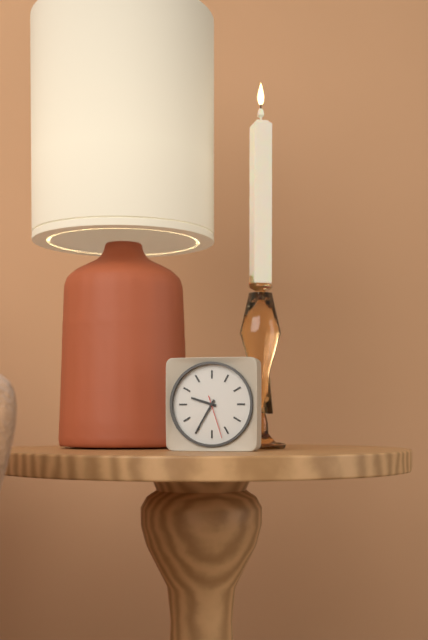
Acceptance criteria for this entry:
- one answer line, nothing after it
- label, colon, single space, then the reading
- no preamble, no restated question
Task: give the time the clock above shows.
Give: 9:35
